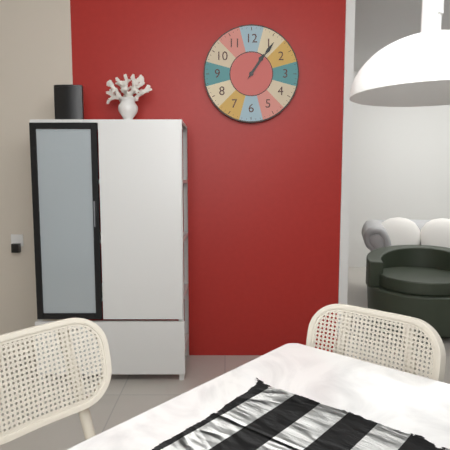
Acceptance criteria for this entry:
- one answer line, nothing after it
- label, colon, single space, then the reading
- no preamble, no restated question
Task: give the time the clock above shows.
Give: 1:06
